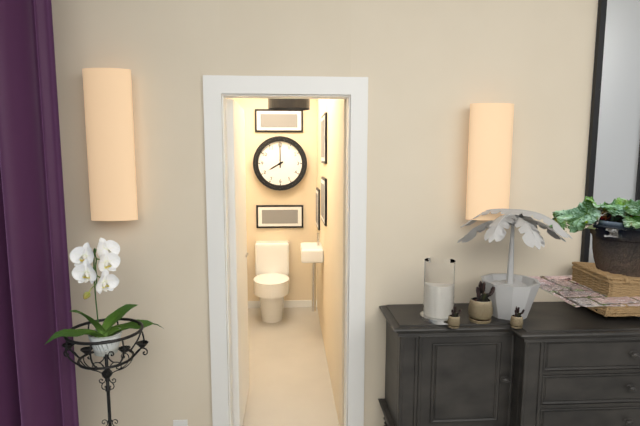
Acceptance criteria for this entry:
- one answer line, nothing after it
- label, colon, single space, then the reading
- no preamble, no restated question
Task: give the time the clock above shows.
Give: 8:00
